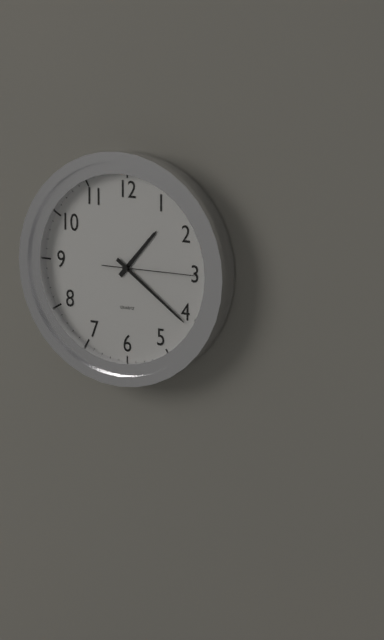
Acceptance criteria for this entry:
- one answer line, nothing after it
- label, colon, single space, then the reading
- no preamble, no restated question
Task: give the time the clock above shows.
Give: 1:21:15
